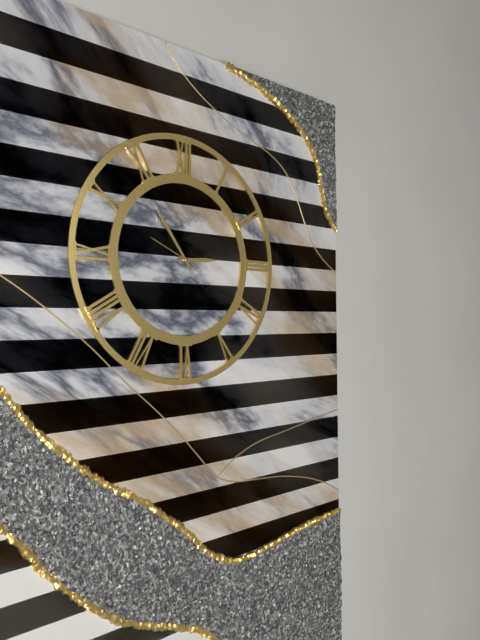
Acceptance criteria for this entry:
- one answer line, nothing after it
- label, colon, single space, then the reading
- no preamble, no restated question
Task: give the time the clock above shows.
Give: 2:54:49
